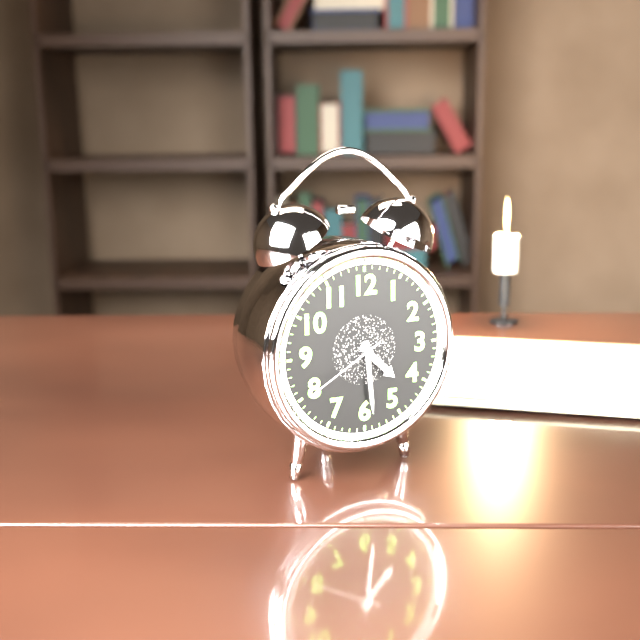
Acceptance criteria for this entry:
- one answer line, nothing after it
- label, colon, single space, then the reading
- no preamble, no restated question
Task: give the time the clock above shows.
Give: 4:29:40
